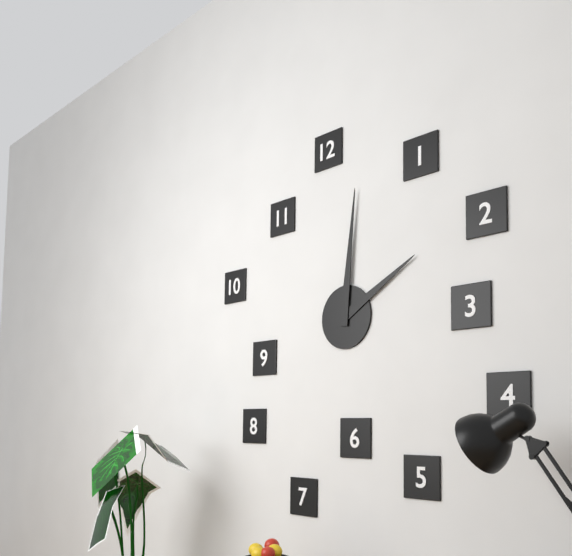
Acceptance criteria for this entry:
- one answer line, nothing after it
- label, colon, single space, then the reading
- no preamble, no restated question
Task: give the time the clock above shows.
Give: 2:01
